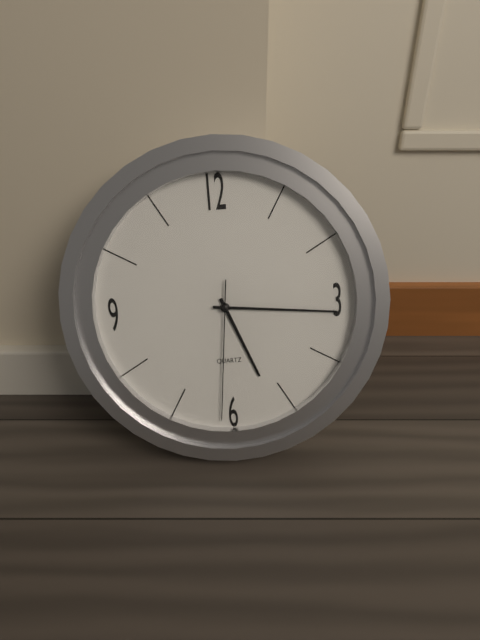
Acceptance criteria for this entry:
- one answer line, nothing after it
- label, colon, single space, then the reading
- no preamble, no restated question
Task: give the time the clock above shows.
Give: 5:16:31
